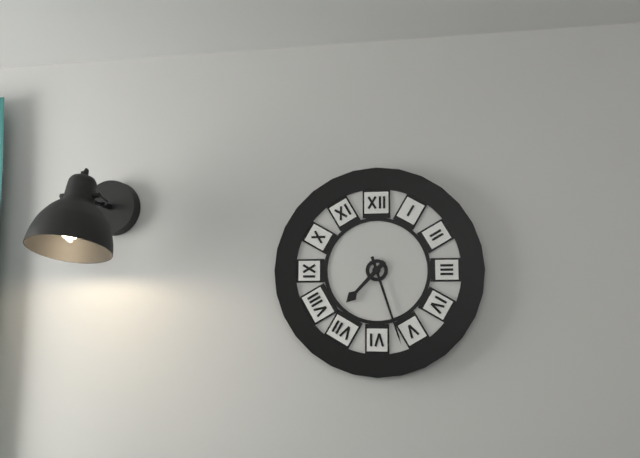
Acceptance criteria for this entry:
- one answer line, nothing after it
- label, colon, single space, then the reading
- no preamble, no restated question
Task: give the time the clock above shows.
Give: 7:27
